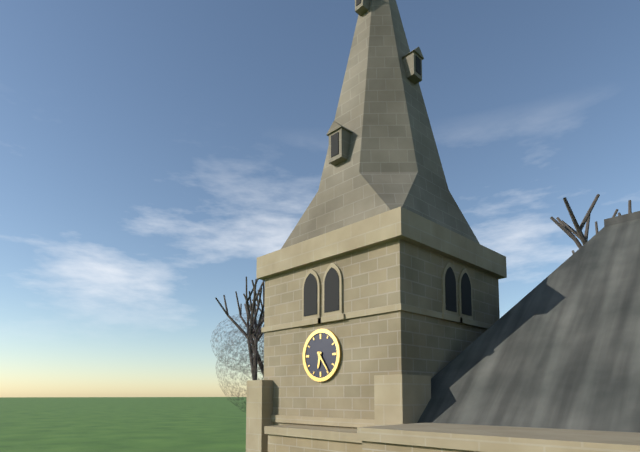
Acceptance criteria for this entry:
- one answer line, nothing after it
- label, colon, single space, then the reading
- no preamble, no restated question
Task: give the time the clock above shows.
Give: 6:24
